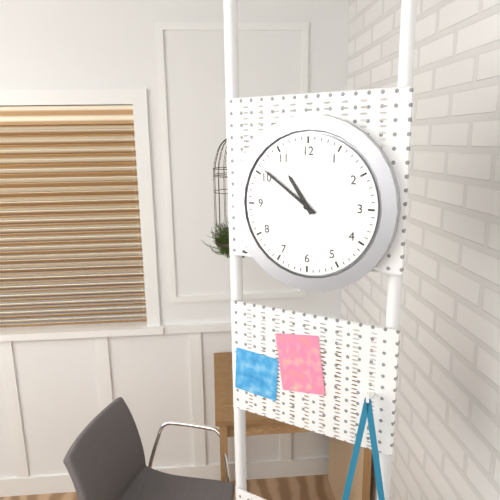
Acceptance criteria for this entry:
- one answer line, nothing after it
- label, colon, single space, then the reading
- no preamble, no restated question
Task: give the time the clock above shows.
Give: 10:51
